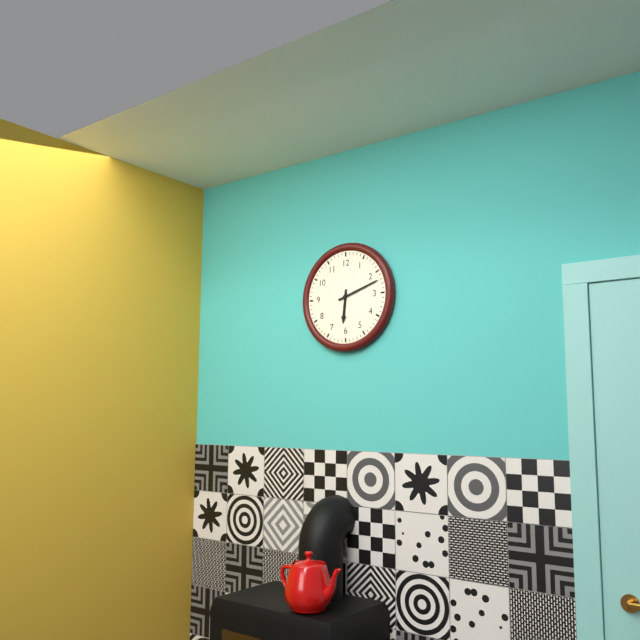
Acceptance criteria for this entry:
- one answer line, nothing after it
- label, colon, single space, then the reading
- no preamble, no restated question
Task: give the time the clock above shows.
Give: 6:12
